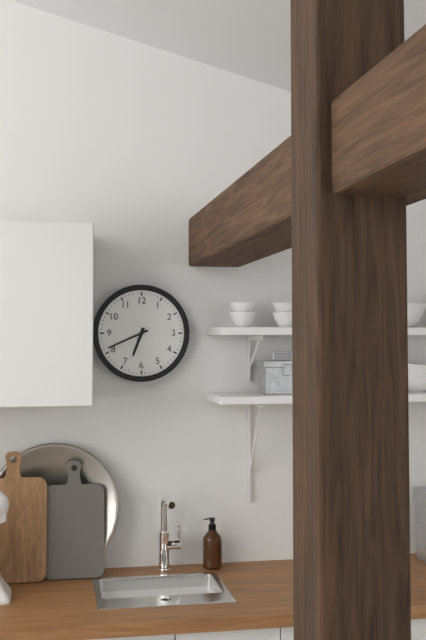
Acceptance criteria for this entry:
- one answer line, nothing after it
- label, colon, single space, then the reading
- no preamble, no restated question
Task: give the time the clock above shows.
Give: 6:41
